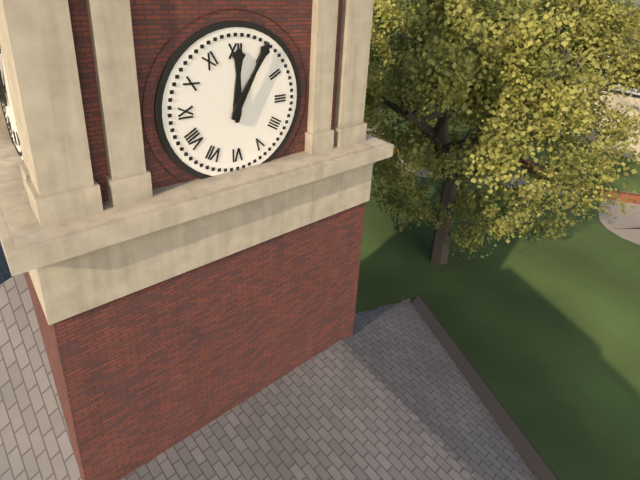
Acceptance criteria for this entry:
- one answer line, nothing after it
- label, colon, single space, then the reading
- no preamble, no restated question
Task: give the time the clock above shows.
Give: 12:05
